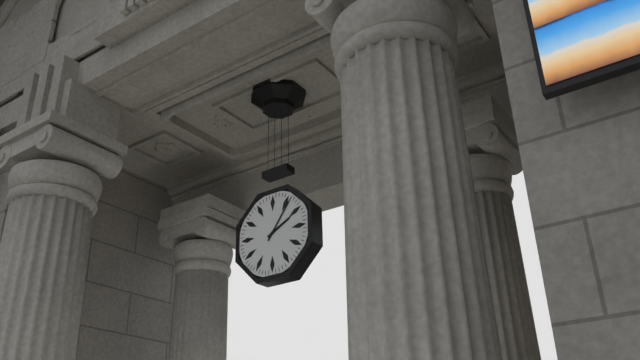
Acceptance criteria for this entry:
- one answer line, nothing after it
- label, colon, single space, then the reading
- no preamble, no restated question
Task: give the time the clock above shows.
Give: 2:06
